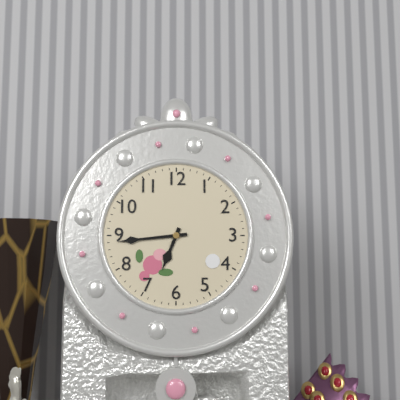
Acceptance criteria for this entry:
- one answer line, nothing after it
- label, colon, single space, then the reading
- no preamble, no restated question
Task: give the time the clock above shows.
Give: 6:44
